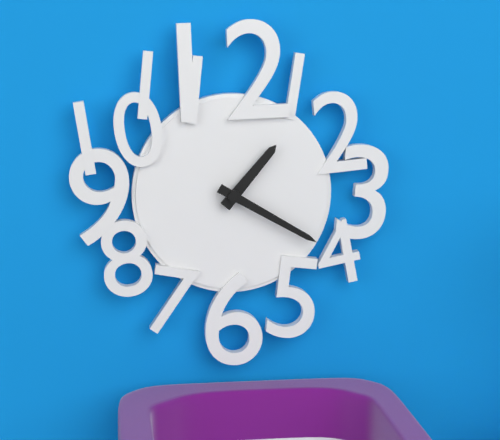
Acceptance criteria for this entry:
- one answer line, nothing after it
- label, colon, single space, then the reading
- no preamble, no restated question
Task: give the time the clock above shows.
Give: 1:20
